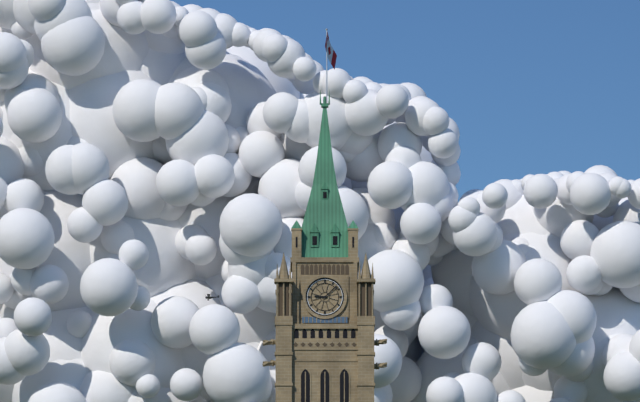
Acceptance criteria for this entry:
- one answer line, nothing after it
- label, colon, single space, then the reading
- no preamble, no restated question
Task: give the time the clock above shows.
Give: 9:08
